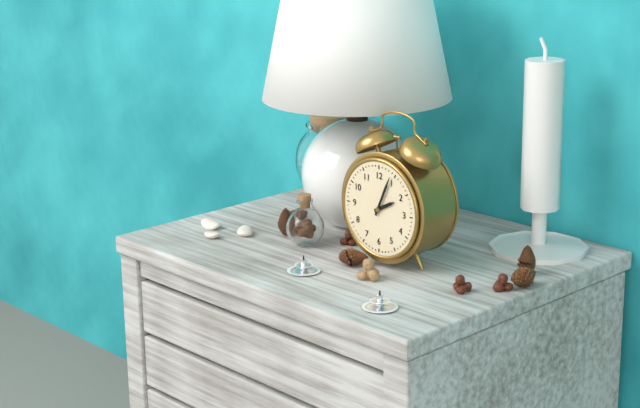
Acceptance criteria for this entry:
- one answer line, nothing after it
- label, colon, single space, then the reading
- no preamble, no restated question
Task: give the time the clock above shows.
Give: 2:04
